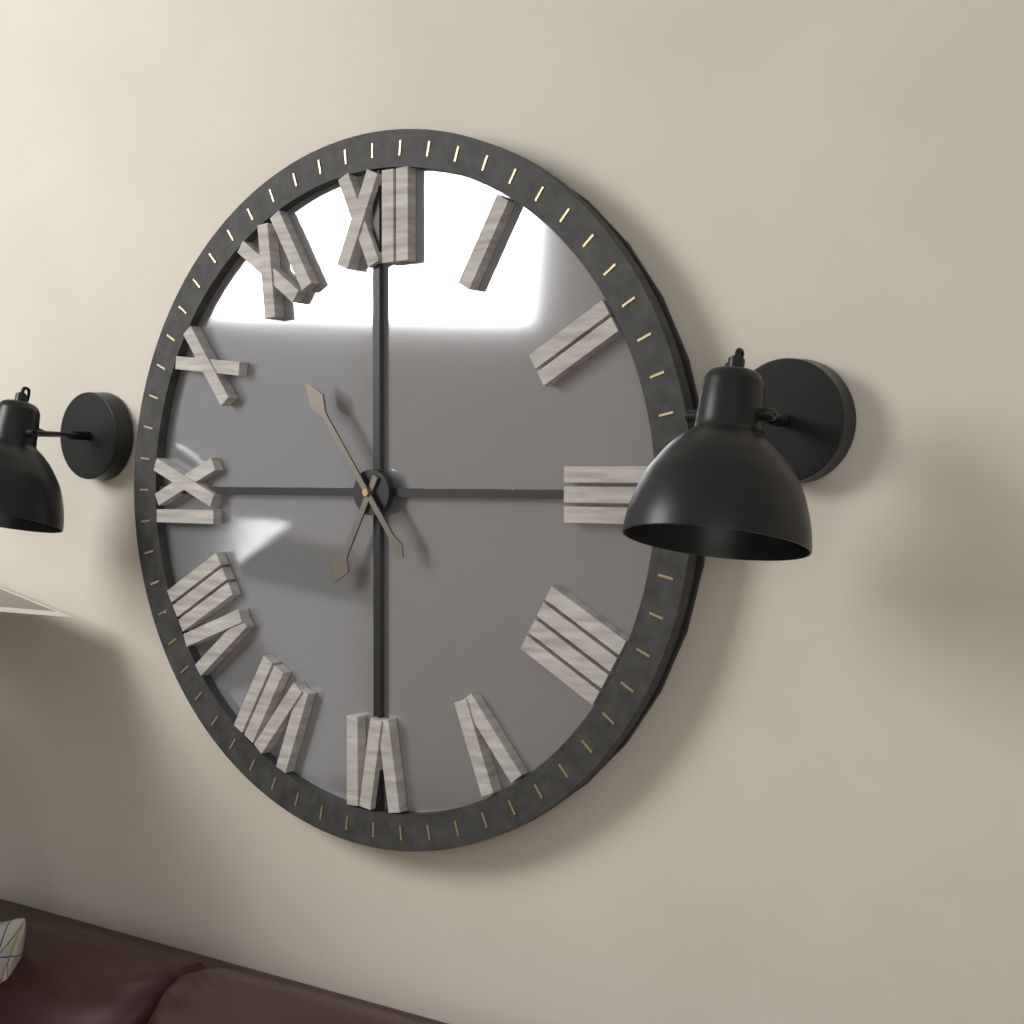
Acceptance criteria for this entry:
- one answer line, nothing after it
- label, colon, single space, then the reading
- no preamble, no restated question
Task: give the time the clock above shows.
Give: 6:54
